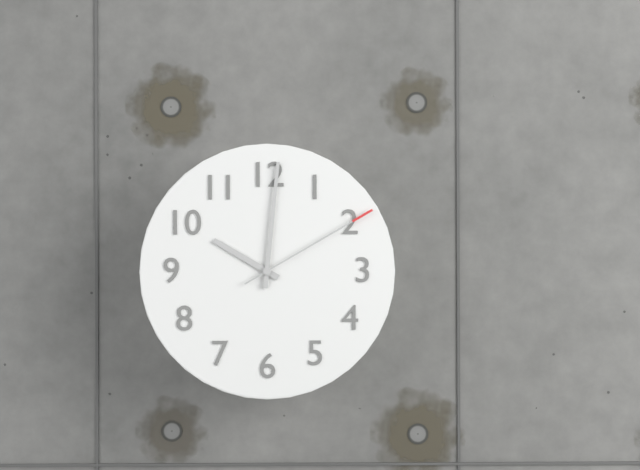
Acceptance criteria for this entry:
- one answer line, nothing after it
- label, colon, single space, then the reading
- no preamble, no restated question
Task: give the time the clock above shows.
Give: 10:01:10
